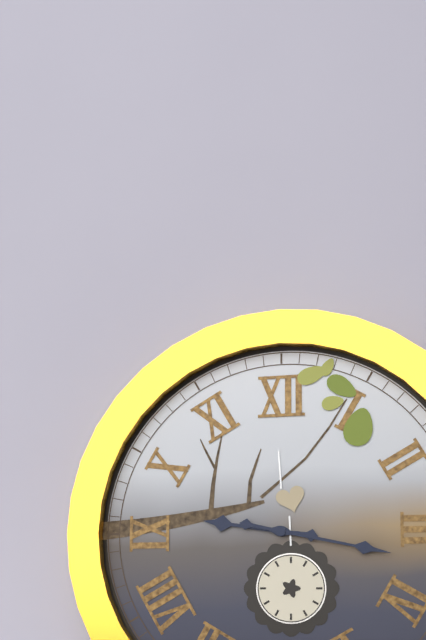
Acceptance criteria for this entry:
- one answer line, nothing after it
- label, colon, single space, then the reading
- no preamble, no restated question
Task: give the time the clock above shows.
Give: 9:17
